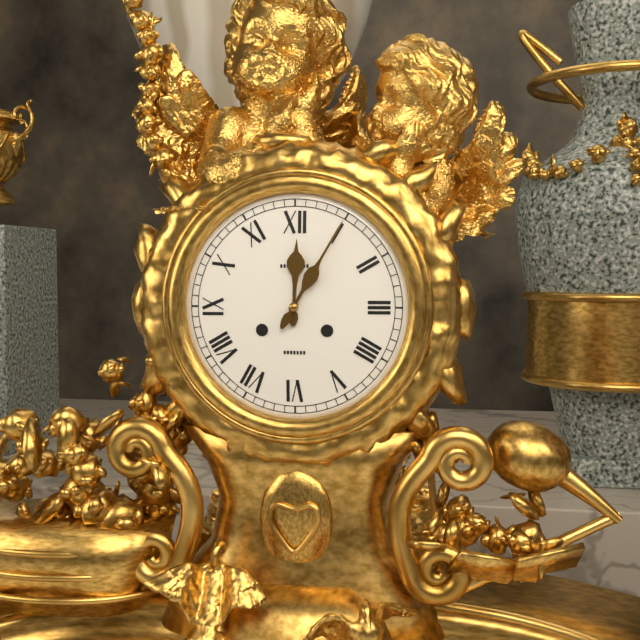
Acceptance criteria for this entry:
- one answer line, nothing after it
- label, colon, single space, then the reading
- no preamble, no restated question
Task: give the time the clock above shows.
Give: 12:05
